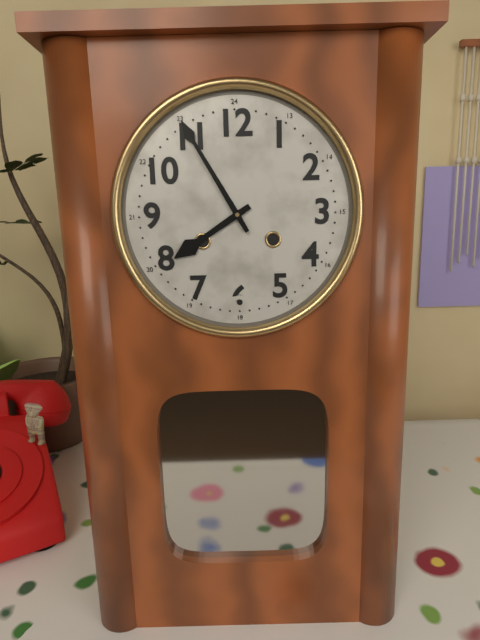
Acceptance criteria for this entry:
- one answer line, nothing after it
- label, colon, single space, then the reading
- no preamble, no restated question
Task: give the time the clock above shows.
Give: 7:55
